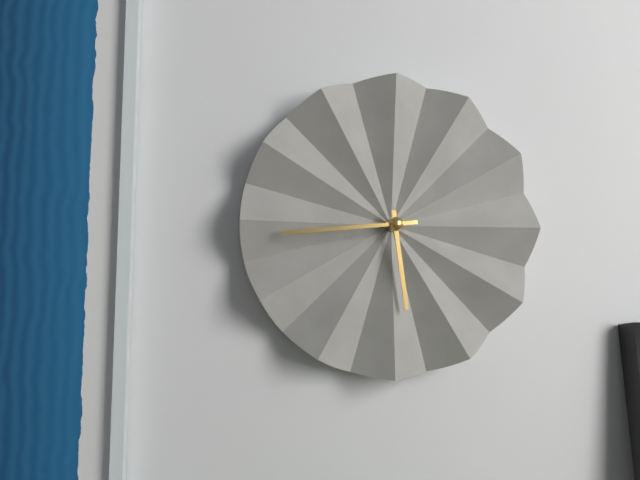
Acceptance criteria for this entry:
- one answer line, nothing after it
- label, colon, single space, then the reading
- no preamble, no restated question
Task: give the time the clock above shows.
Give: 5:44
